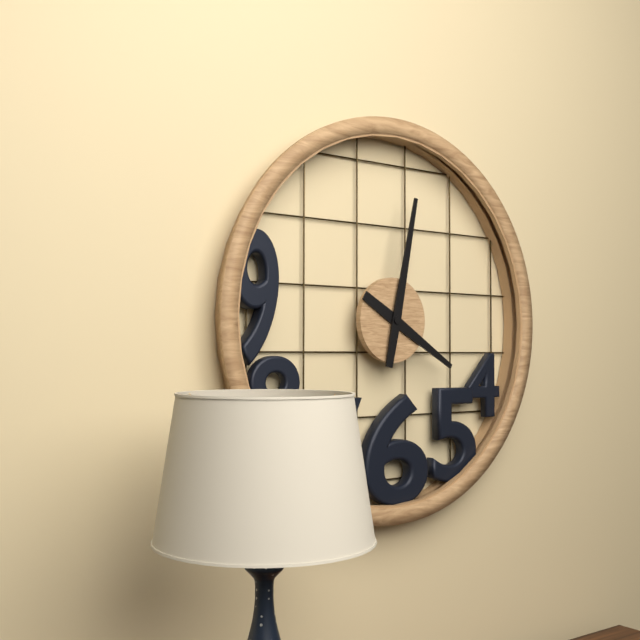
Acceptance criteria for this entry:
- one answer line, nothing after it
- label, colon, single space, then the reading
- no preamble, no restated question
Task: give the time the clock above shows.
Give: 4:02
